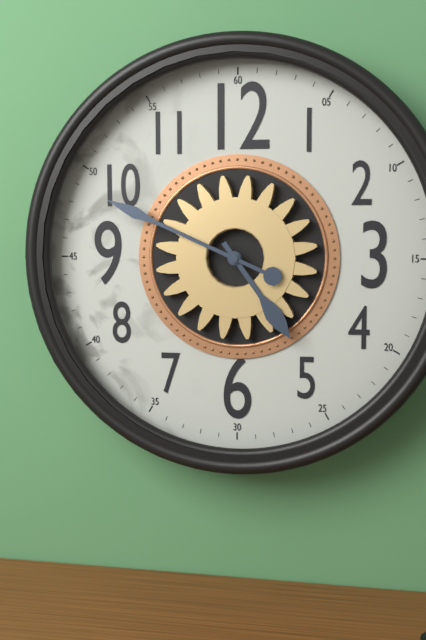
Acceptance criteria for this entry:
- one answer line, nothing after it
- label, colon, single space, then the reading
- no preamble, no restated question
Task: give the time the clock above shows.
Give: 4:49
